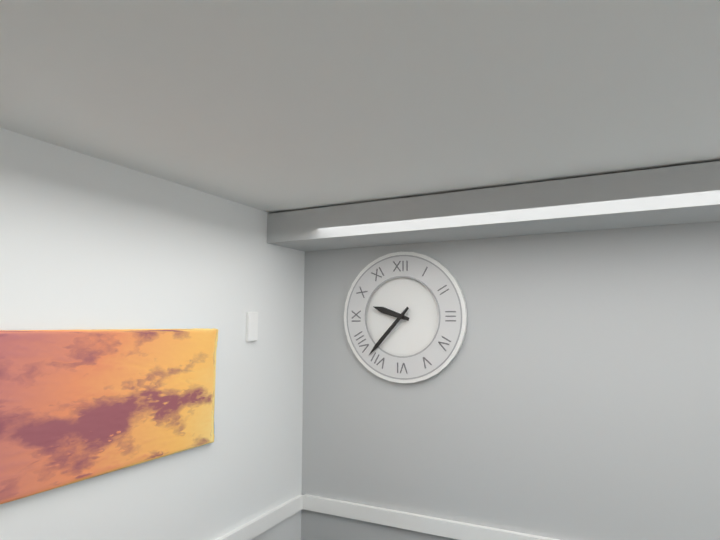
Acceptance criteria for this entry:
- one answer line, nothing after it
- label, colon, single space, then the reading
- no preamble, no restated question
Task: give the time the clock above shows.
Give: 9:37
